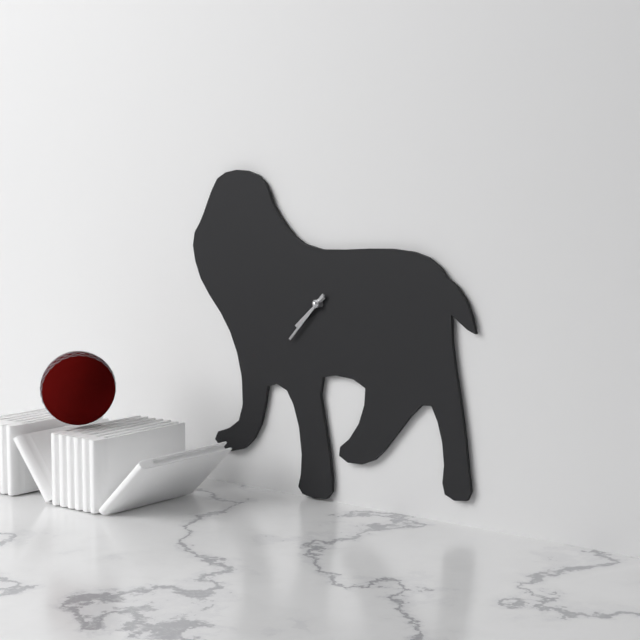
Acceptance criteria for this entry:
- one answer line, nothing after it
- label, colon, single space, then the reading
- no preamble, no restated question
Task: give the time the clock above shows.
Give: 7:37
